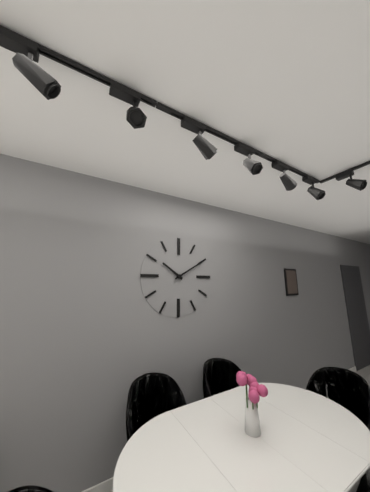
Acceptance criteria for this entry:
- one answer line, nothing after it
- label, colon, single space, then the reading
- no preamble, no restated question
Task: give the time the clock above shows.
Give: 10:10
